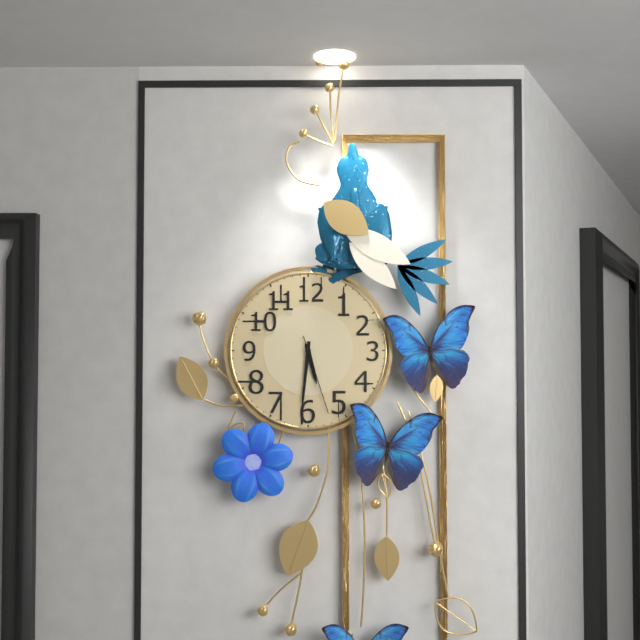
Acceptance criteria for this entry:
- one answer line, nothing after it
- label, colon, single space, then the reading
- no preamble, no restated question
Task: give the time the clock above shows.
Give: 5:31:27
